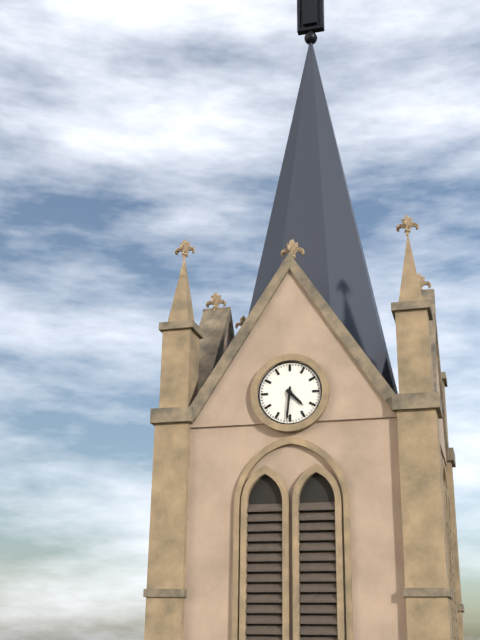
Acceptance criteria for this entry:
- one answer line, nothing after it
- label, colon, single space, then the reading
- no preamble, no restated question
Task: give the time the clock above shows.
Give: 4:31
